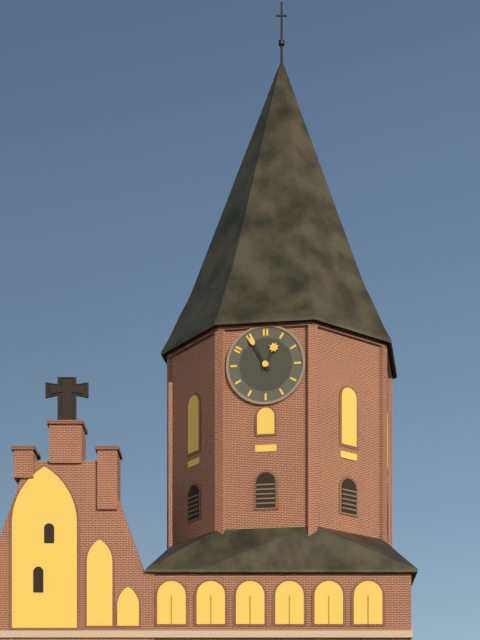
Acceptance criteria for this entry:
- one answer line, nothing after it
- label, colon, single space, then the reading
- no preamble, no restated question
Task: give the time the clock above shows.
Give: 12:55
